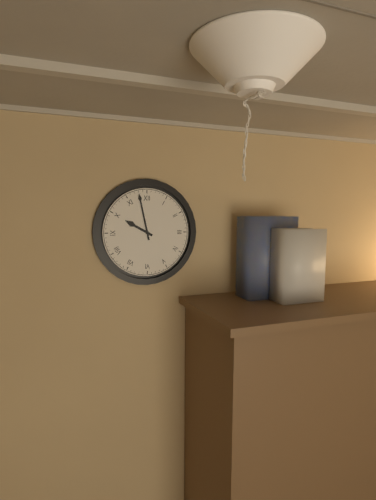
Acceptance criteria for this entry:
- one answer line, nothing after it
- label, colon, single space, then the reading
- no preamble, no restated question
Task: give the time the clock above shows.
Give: 9:58
